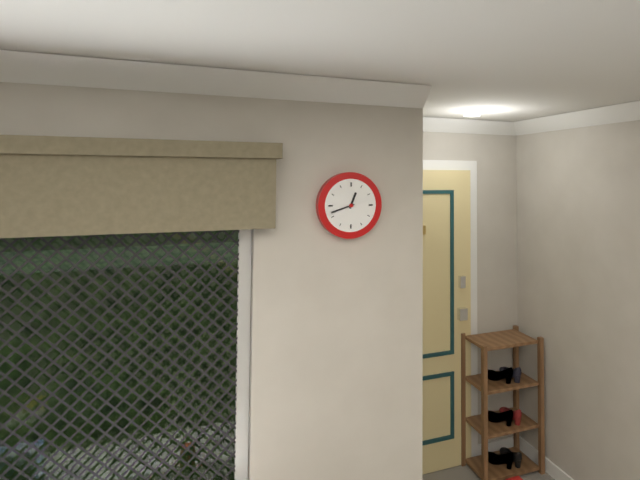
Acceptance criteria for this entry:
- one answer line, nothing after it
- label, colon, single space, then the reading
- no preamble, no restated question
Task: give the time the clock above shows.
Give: 12:42
